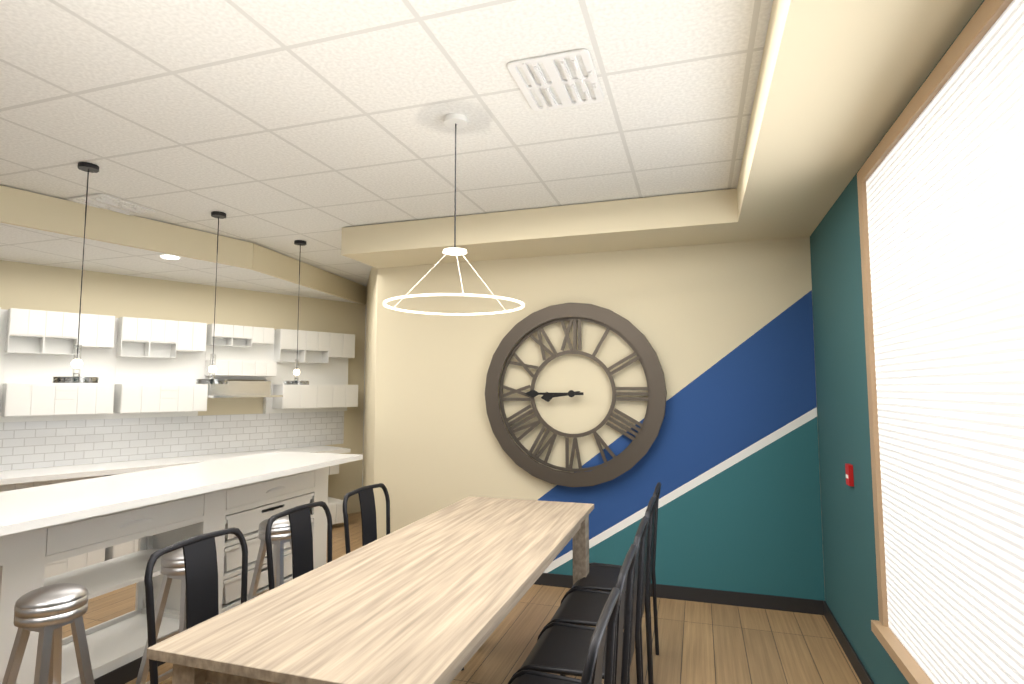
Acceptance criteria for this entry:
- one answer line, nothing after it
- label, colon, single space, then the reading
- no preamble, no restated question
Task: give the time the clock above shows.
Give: 8:45
